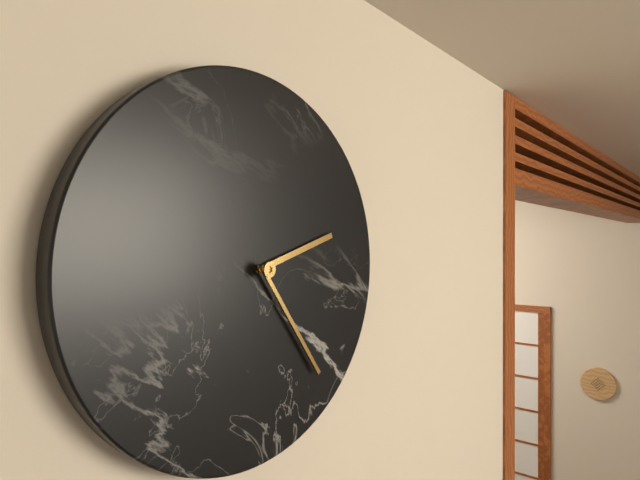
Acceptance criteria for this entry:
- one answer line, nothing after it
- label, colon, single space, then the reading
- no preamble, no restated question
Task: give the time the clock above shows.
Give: 2:24
